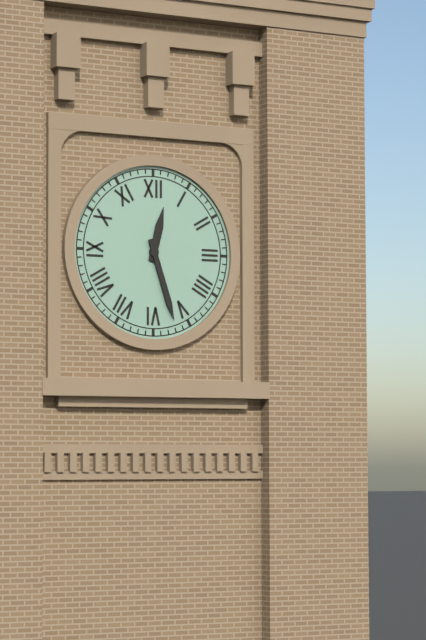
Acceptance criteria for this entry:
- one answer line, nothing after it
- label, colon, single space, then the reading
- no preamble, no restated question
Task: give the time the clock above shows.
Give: 12:27
